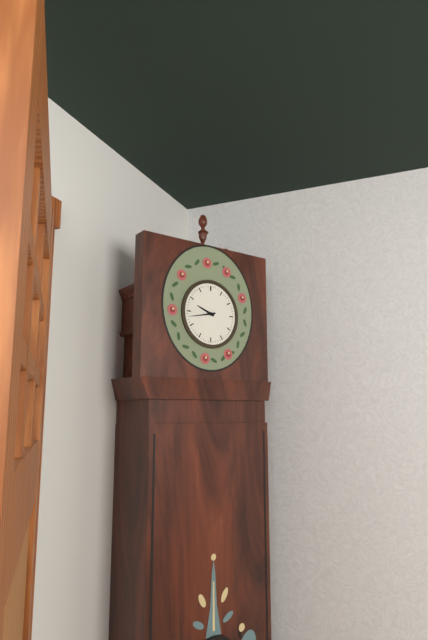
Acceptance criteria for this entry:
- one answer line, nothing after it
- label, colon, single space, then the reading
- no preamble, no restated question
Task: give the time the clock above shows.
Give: 9:43
